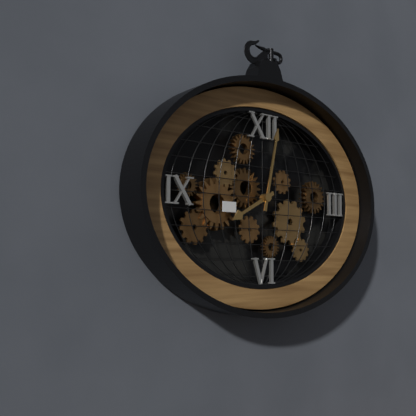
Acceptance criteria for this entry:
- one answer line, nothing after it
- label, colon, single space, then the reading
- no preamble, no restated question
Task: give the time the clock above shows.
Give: 8:02
